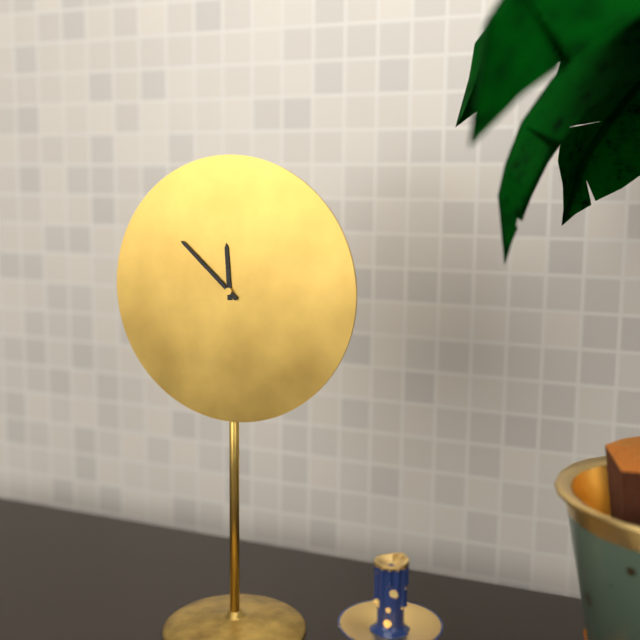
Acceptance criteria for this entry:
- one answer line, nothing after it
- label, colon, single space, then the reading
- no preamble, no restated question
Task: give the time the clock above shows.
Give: 11:52
